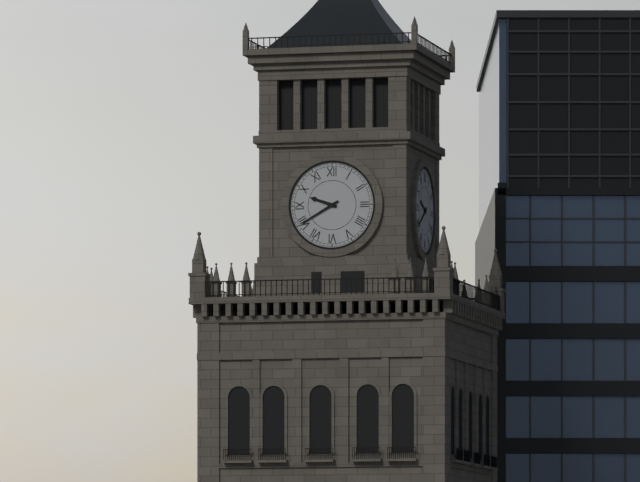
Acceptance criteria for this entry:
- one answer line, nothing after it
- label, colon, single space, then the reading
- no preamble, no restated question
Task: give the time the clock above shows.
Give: 9:40
